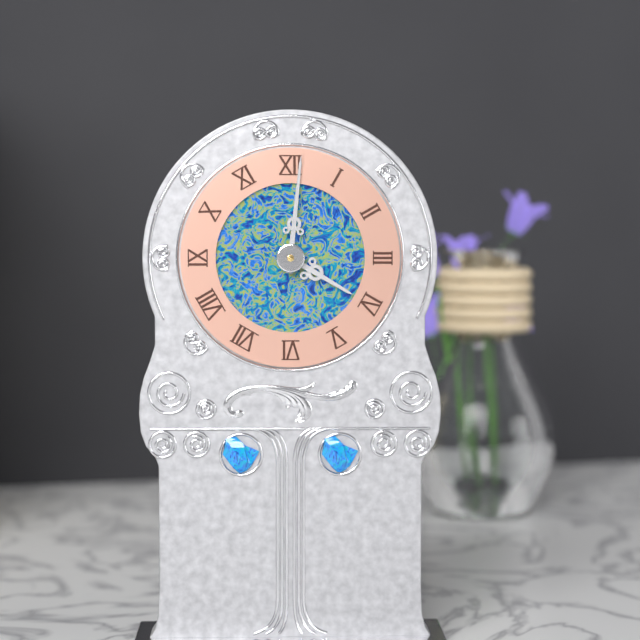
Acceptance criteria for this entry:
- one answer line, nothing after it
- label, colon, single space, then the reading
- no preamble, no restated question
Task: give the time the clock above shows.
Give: 4:01
